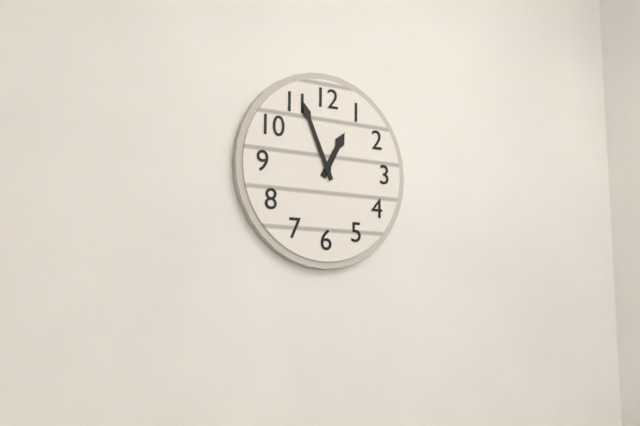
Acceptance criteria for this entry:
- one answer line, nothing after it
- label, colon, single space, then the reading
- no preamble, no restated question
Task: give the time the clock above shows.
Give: 12:56
